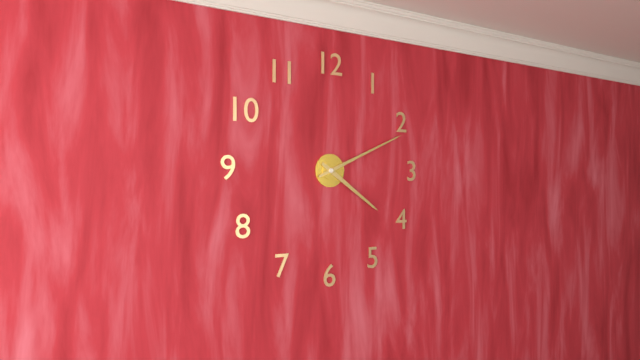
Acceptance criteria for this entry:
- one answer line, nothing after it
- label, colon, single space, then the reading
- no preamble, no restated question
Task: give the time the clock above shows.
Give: 4:11
